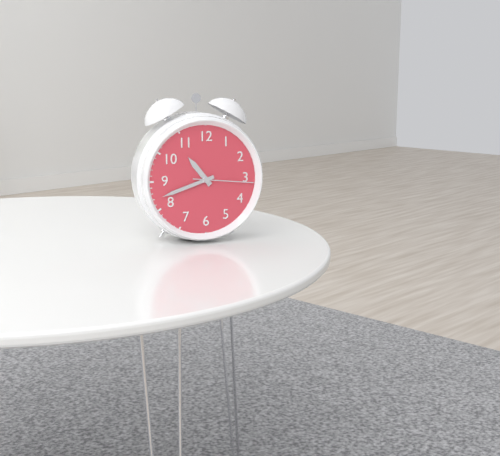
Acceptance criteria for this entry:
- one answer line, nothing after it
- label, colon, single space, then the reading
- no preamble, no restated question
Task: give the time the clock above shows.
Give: 10:42:16
